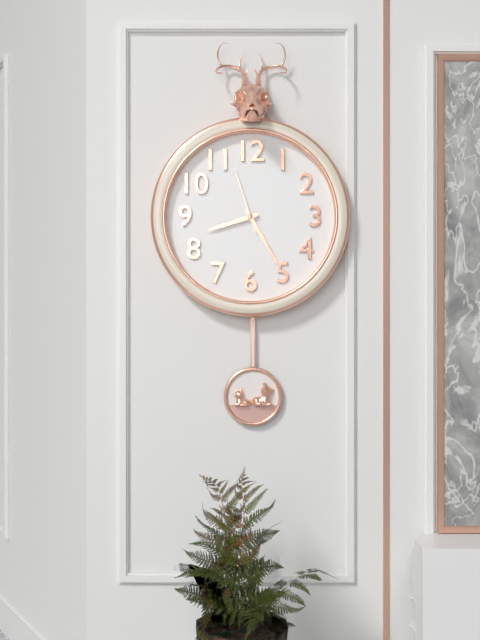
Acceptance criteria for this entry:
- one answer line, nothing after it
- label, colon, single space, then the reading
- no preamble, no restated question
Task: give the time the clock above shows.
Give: 8:25:57
